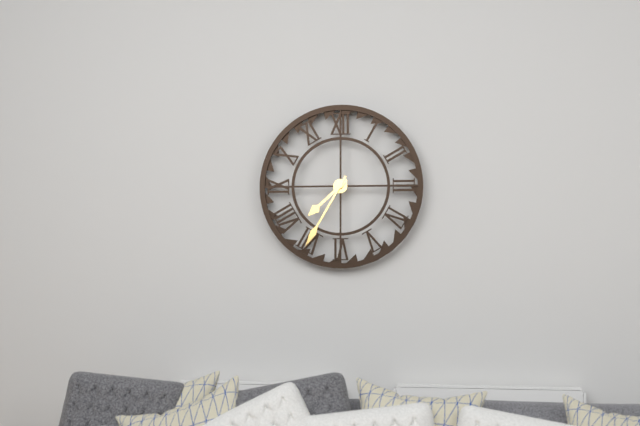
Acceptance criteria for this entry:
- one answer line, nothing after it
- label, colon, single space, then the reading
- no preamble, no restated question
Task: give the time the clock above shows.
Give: 7:35
